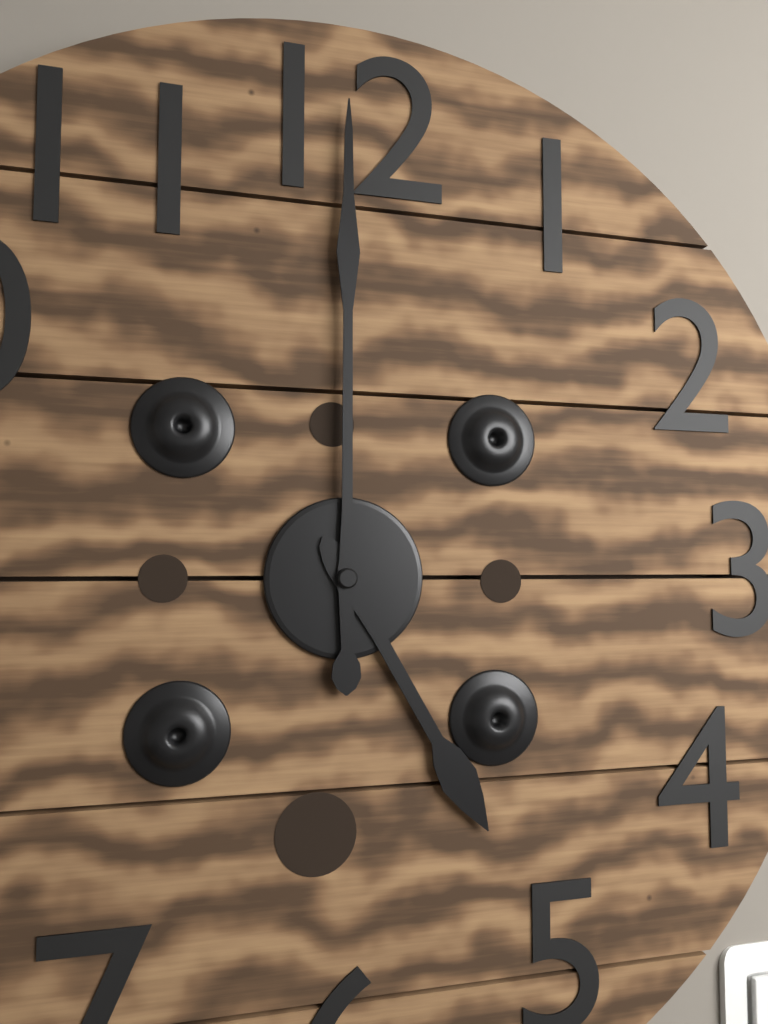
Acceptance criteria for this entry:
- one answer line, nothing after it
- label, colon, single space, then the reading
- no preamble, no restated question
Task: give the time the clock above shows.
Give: 5:00
